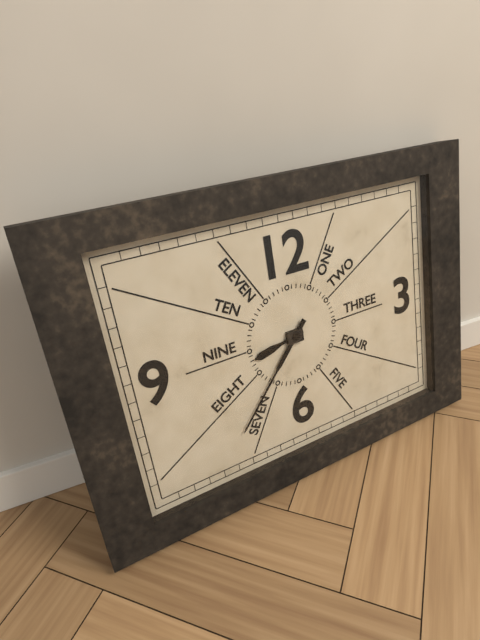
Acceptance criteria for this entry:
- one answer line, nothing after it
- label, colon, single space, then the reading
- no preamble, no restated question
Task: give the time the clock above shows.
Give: 8:37
